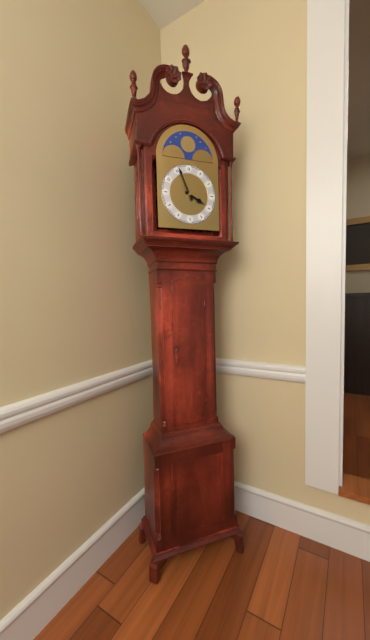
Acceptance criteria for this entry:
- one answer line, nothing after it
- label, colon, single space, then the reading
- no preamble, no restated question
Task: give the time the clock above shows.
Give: 3:56
